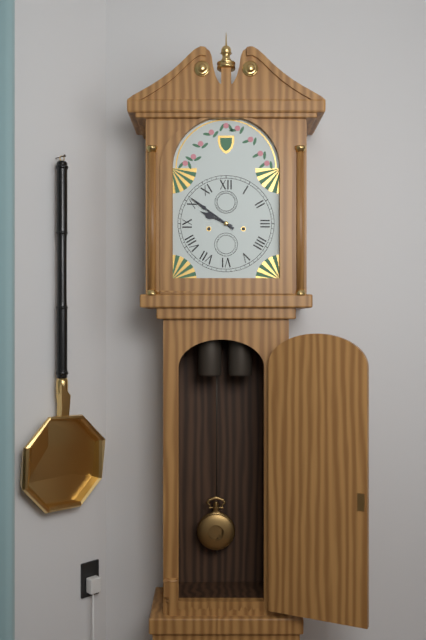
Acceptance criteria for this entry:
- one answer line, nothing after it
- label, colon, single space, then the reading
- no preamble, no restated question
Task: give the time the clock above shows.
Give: 9:51
